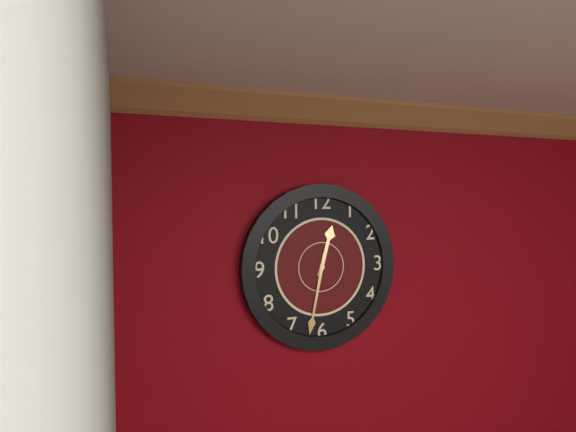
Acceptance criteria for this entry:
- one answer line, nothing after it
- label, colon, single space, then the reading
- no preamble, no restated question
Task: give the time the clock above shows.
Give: 12:32
